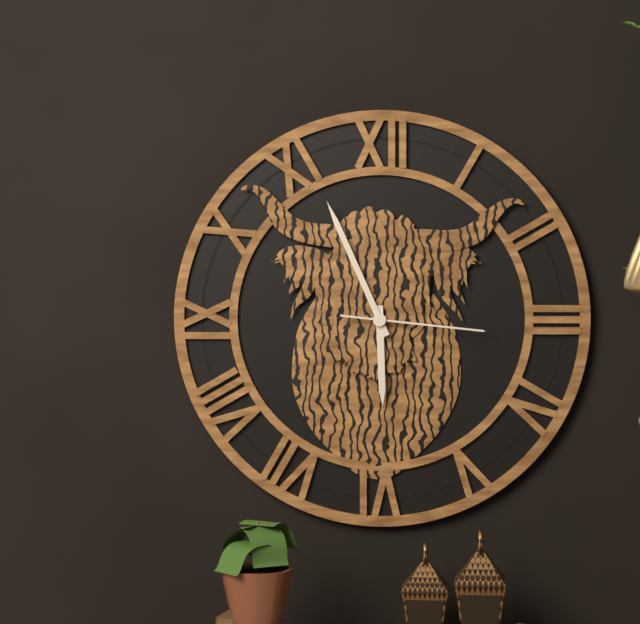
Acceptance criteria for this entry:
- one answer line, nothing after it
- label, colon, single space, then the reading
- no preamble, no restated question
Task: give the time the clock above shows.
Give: 5:56:16
